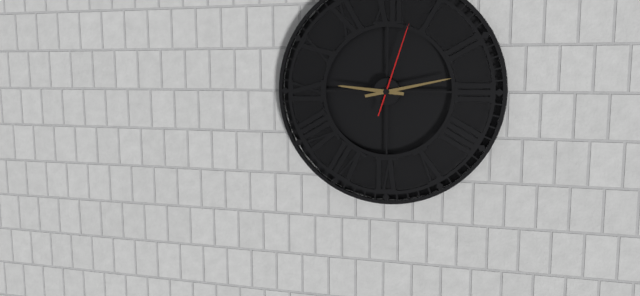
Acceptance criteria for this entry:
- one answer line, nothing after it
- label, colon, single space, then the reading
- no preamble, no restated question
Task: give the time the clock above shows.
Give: 9:13:03
